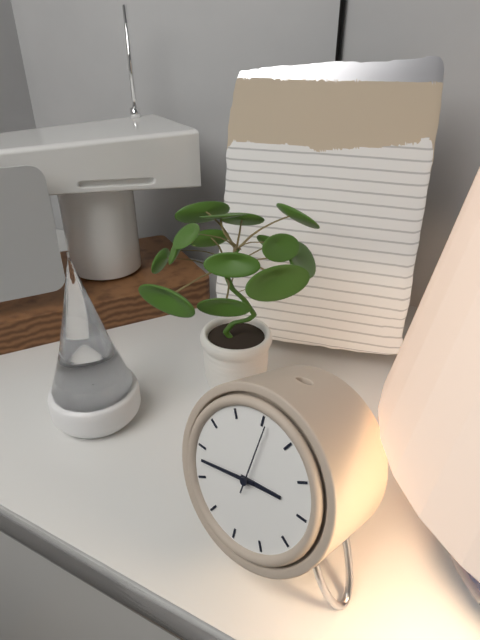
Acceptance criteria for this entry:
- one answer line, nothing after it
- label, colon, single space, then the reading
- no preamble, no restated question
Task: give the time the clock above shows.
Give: 2:43:01
